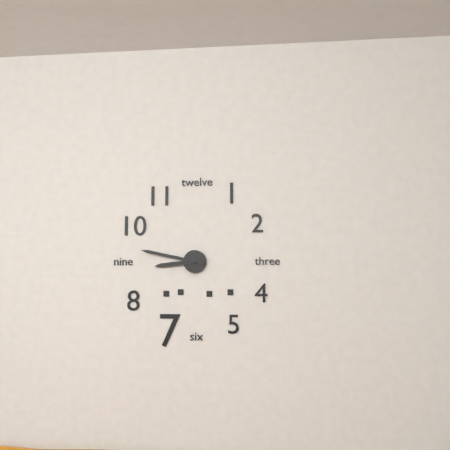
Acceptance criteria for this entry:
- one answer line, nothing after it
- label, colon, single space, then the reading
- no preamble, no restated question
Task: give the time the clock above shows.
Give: 8:47
